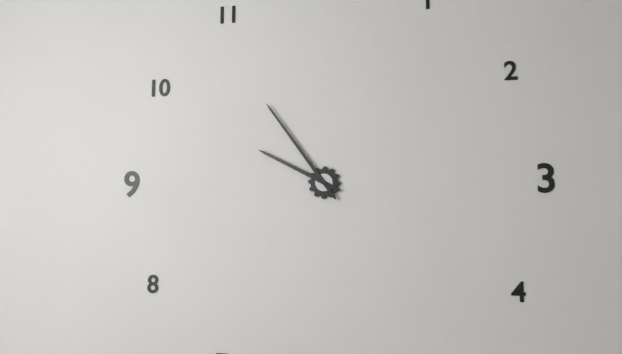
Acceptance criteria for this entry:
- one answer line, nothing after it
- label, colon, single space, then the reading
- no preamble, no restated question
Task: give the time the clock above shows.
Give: 9:54
